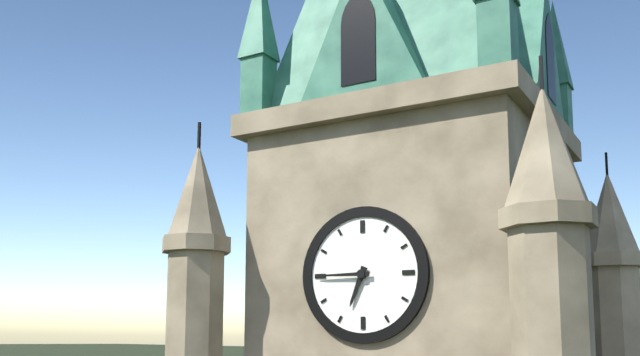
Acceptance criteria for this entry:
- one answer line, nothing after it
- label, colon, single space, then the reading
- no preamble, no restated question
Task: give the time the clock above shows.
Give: 6:45
